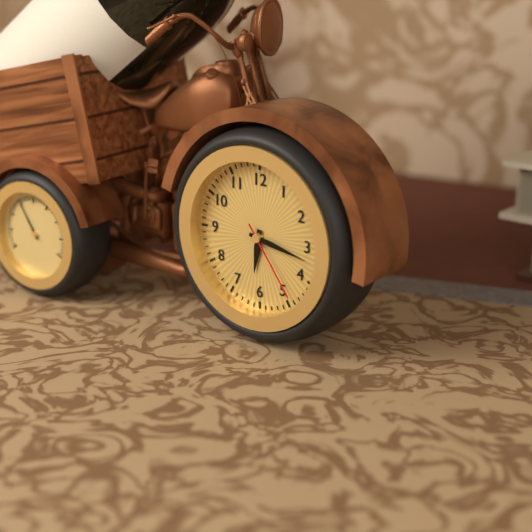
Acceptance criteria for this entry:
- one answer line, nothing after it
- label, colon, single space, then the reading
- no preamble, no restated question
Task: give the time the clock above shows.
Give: 6:17:24
